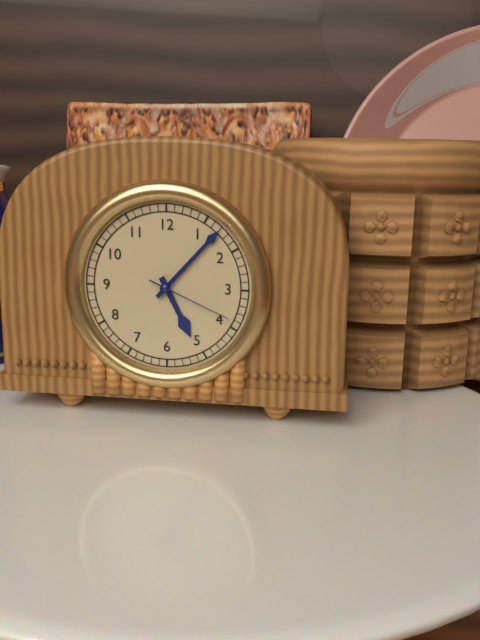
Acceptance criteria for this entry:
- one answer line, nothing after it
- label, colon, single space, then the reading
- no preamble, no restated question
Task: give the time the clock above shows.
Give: 5:07:19
